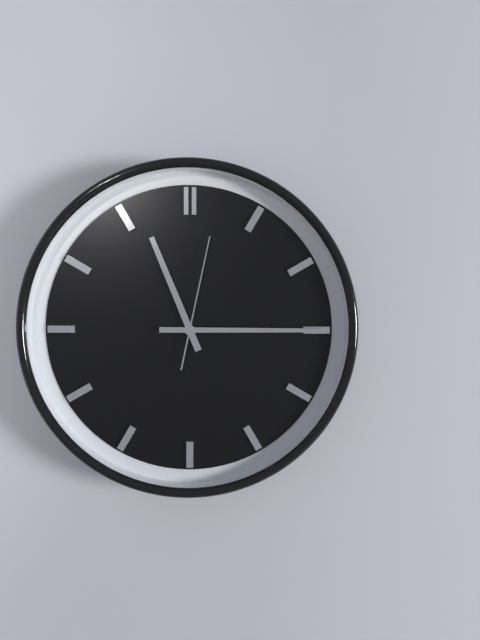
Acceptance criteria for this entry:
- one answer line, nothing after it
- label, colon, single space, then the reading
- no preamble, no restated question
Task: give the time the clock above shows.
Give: 11:15:02
